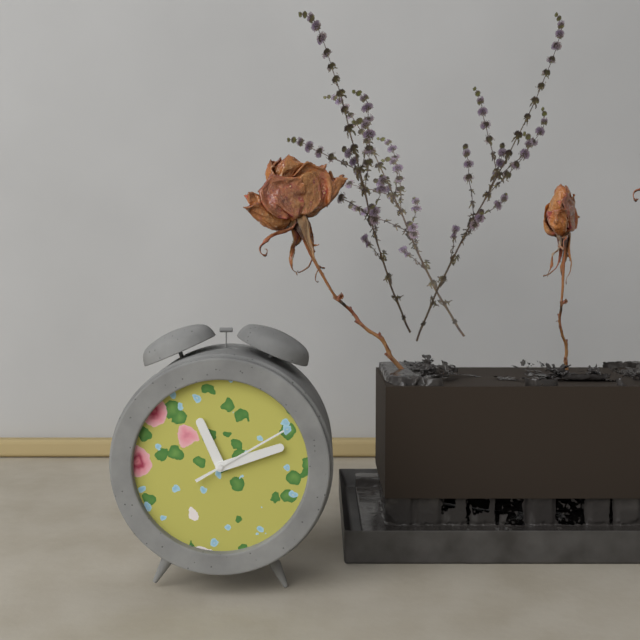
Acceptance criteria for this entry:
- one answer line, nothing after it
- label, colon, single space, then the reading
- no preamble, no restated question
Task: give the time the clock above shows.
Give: 11:12:10
